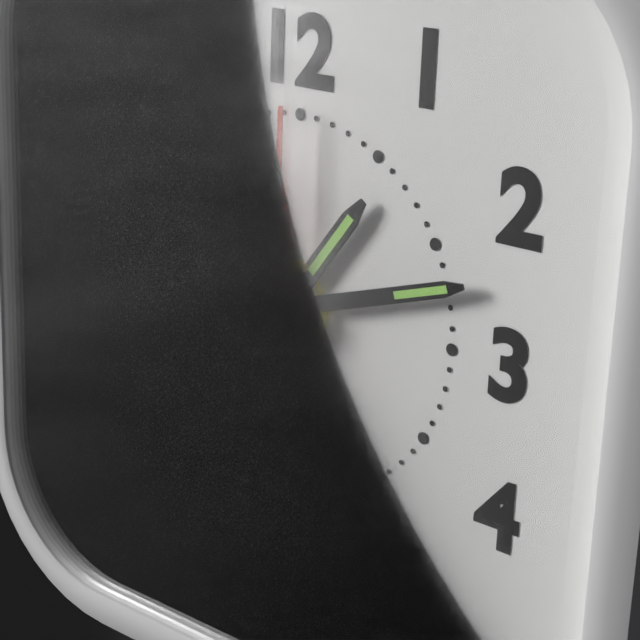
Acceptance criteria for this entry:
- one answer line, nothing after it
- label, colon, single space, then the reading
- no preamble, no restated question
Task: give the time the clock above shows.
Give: 1:12:00
